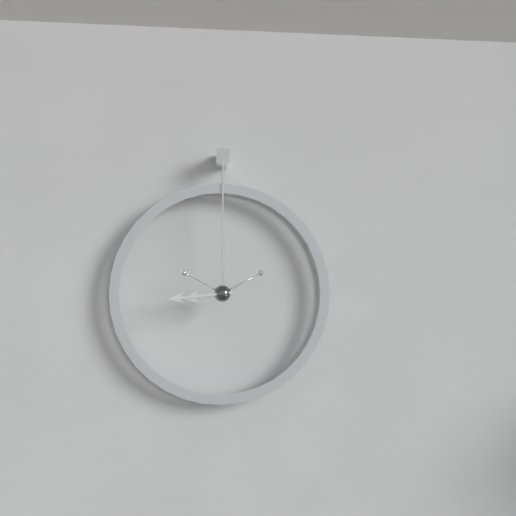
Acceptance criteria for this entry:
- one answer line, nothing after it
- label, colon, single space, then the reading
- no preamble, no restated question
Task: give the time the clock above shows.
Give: 8:44
